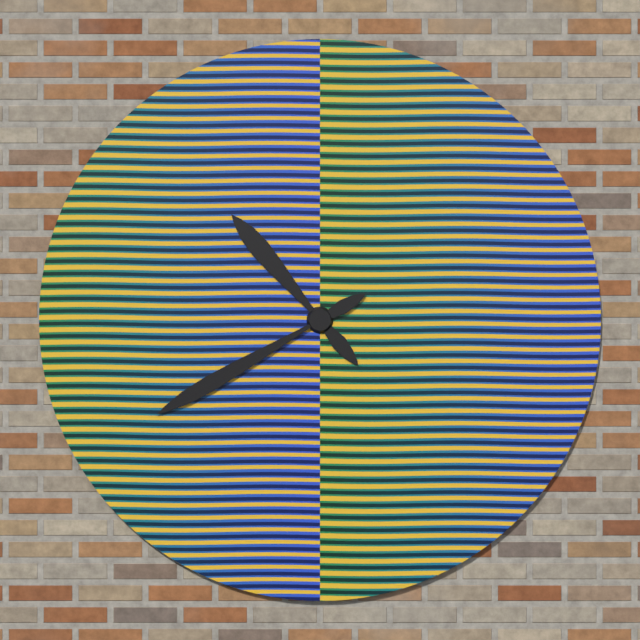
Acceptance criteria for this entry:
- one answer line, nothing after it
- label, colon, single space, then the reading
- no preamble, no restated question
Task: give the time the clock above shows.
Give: 10:40
